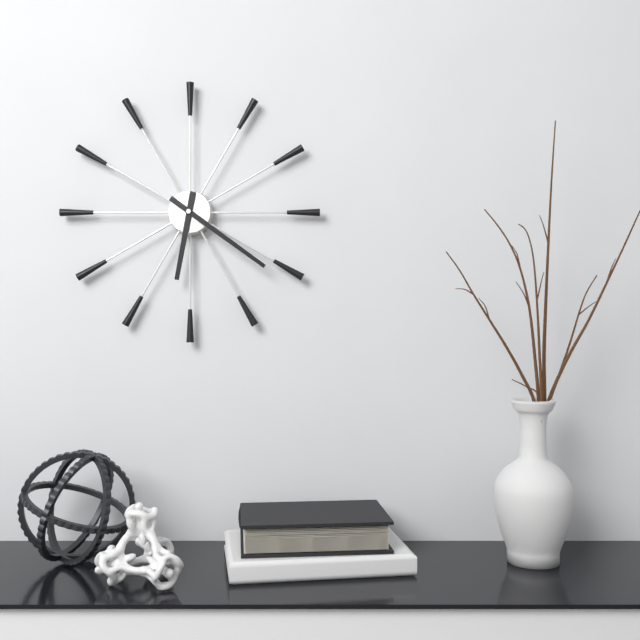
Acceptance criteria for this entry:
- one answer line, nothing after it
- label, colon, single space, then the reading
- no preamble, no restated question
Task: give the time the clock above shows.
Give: 6:21
